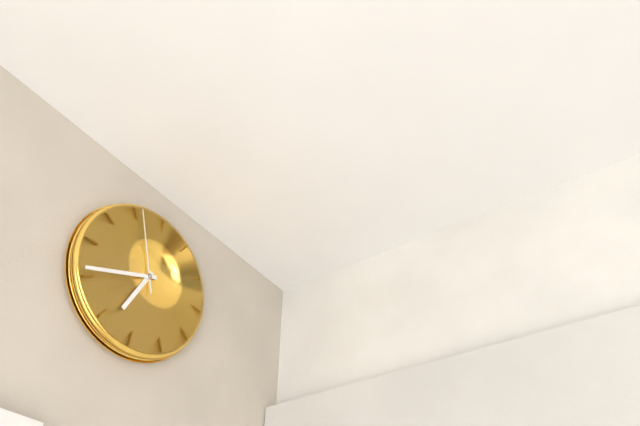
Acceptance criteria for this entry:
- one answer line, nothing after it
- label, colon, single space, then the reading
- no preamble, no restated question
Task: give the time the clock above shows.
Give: 6:41:56
